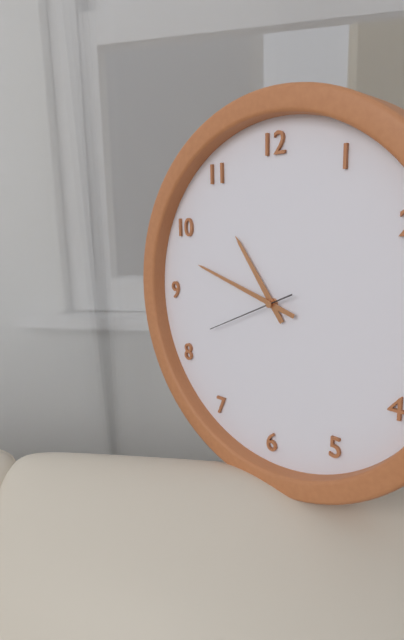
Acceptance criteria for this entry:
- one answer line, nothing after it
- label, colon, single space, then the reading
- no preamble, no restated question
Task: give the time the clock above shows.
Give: 10:48:41
